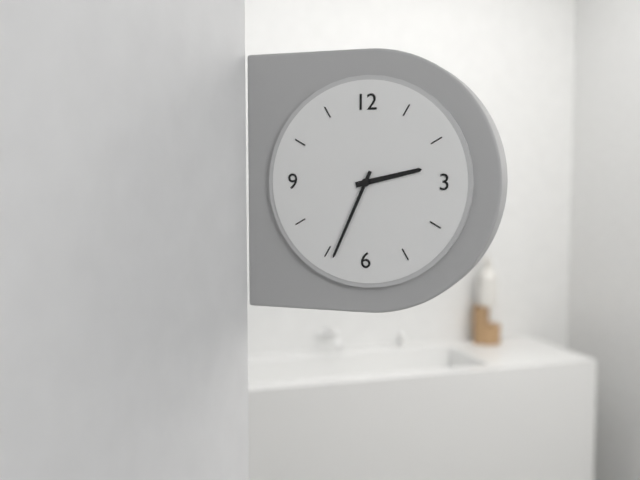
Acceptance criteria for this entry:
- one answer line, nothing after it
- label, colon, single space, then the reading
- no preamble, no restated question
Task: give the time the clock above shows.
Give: 2:34
